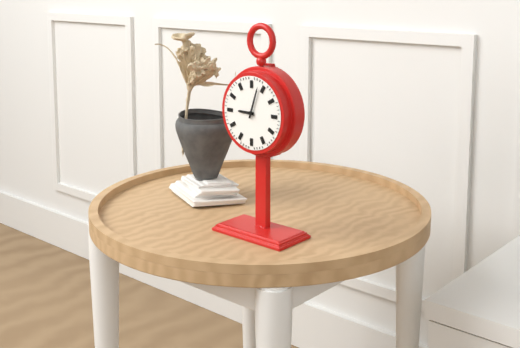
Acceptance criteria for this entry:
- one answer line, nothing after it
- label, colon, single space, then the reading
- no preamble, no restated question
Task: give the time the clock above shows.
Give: 9:03
